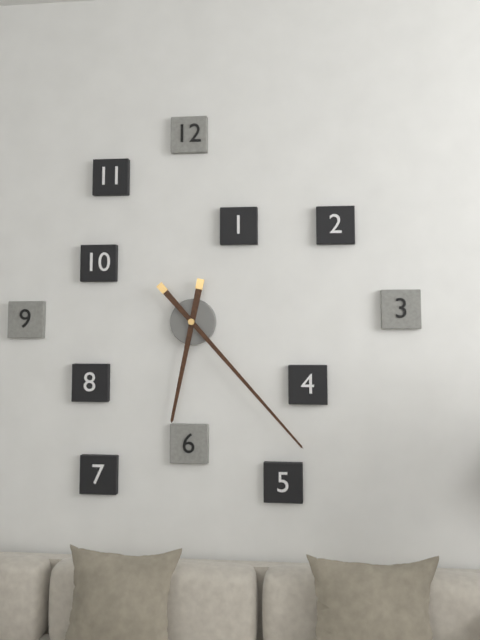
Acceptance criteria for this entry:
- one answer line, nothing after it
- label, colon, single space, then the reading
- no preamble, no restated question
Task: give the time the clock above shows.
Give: 6:23
